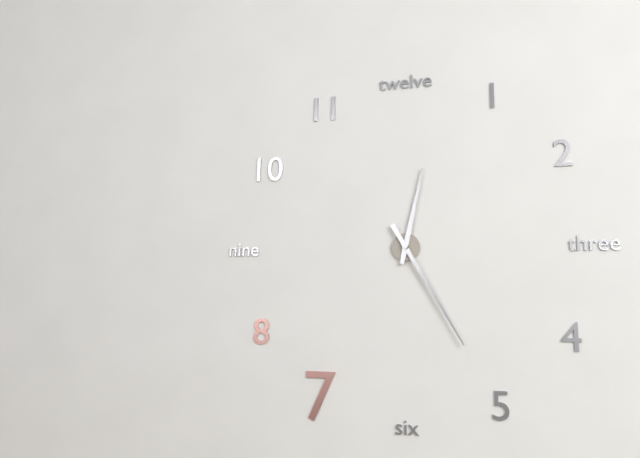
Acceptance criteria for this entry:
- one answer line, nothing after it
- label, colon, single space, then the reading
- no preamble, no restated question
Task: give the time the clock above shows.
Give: 12:25
